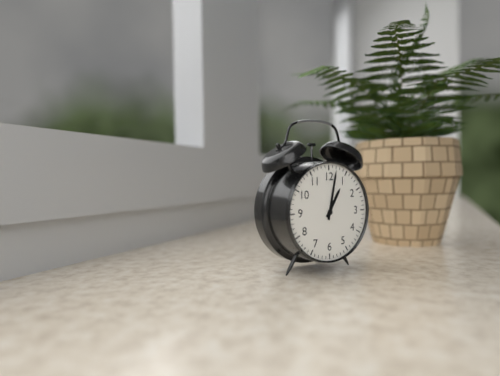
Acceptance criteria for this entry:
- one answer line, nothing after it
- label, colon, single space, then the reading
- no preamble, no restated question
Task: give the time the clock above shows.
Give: 1:02
